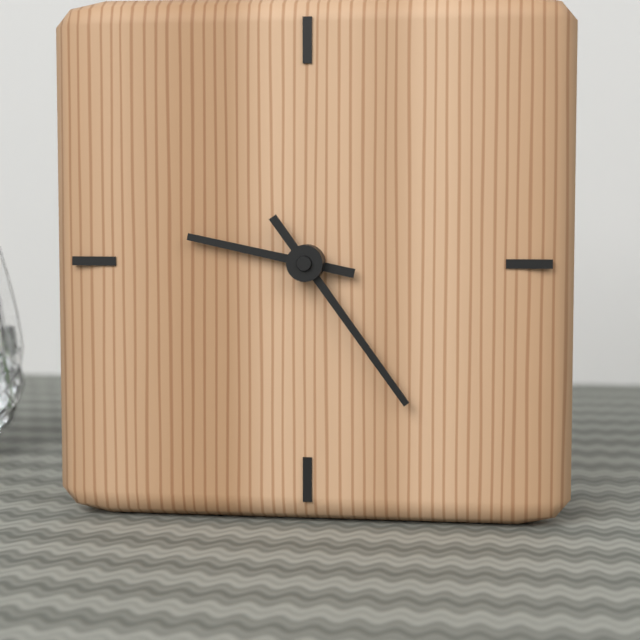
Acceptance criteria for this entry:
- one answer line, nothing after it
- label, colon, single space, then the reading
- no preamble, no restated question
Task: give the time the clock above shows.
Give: 9:24
